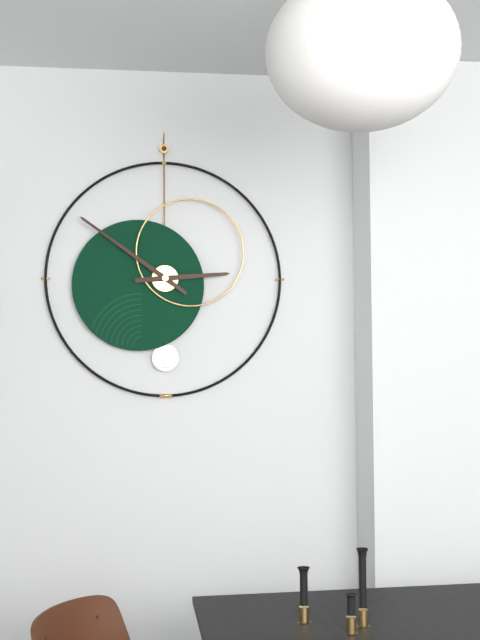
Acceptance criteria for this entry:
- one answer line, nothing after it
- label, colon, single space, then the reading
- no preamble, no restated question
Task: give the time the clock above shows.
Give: 2:51
